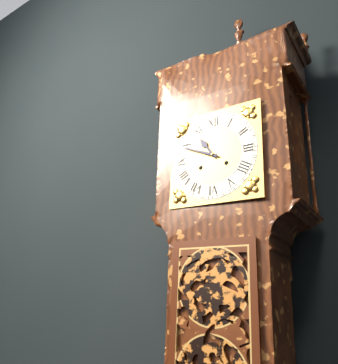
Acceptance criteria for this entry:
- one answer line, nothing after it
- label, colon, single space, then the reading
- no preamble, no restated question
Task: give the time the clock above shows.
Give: 10:49
